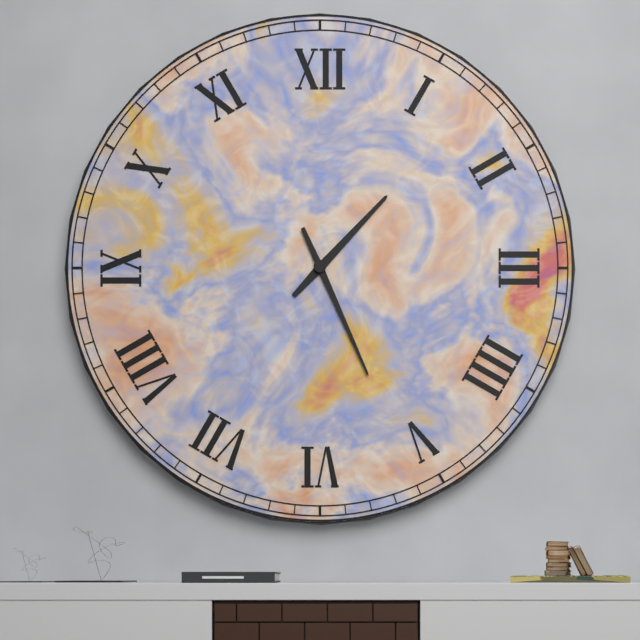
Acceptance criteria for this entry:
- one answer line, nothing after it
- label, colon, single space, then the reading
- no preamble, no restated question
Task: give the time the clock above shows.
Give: 1:26
